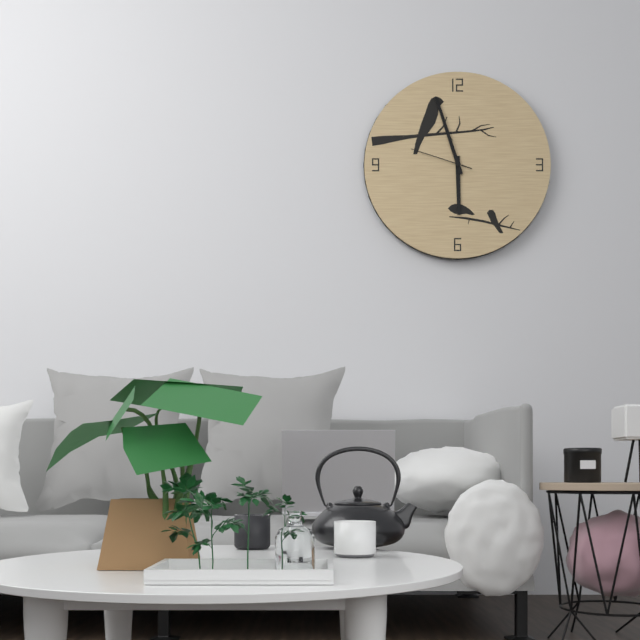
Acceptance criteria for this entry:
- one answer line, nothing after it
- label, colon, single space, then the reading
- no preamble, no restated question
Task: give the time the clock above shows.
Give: 5:57:48
